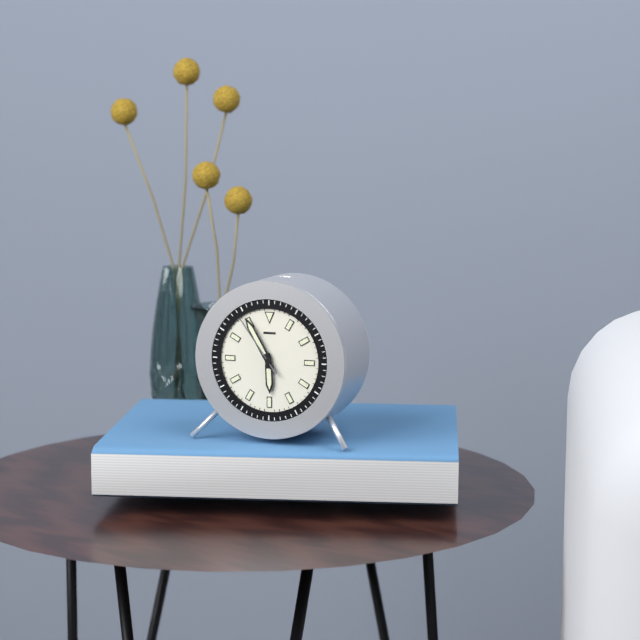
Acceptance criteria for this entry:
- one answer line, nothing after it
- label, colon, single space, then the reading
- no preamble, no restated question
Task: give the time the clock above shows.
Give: 5:55:54
